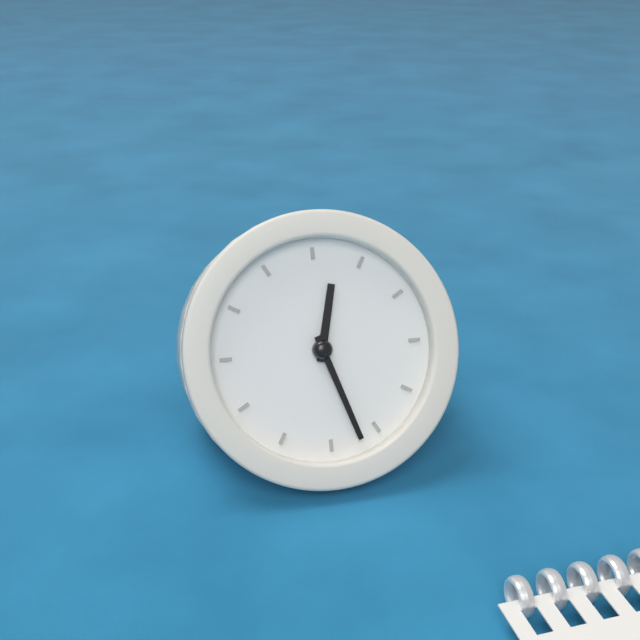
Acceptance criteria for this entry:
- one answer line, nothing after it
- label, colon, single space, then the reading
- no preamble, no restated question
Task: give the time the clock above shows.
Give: 12:27
